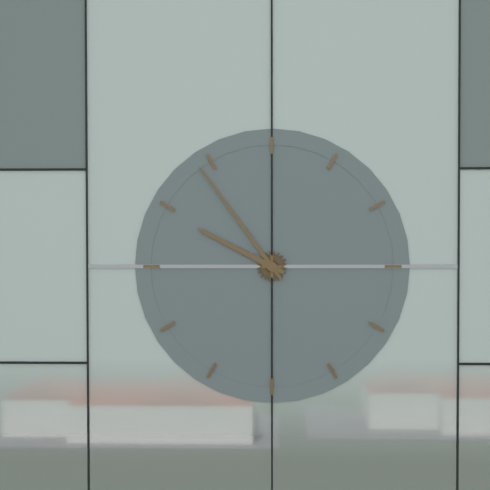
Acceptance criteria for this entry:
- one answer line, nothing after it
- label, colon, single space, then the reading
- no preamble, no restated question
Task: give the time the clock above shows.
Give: 9:54
